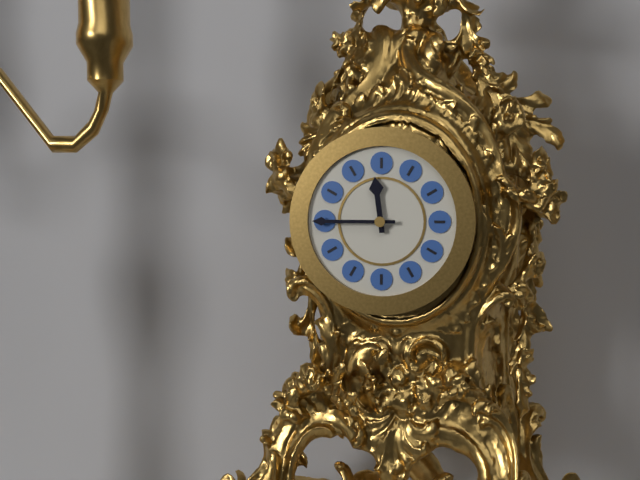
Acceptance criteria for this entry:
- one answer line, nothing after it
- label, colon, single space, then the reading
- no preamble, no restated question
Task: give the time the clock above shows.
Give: 11:45
